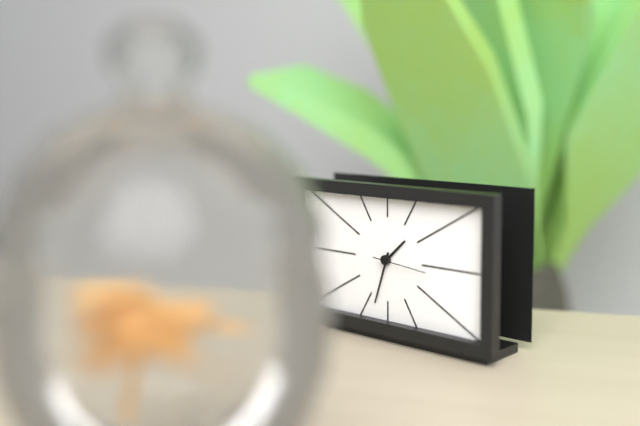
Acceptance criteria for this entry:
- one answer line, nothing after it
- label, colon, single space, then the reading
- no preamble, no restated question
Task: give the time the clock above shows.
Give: 1:33:16
